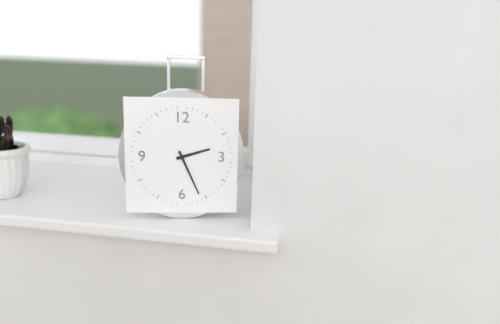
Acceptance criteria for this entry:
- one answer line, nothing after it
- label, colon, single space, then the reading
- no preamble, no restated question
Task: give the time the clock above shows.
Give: 2:26
